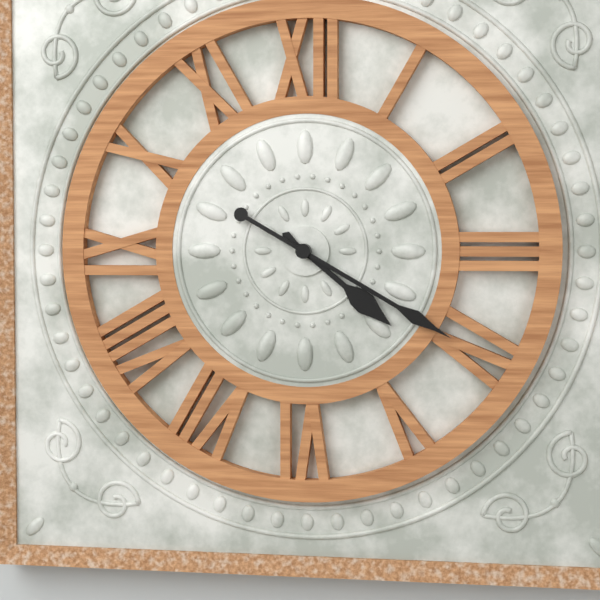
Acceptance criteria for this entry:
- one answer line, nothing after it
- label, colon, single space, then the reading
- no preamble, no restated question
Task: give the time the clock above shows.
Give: 4:20
